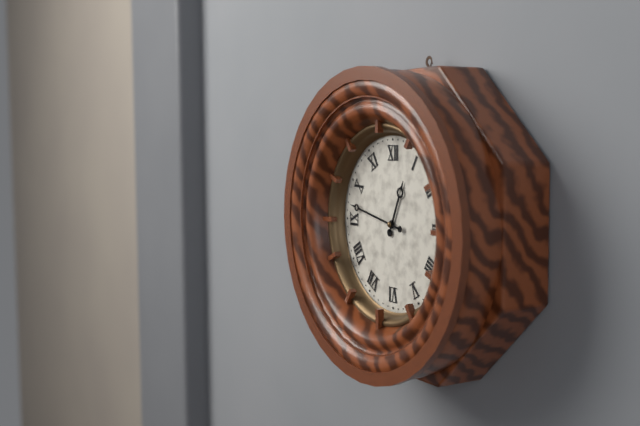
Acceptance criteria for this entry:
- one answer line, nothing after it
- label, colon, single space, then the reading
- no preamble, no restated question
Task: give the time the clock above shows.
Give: 12:47
